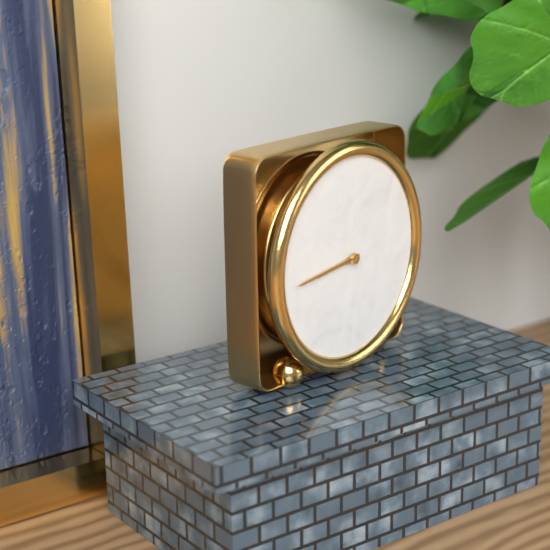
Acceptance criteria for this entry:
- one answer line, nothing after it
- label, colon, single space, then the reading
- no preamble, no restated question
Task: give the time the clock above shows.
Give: 8:44
